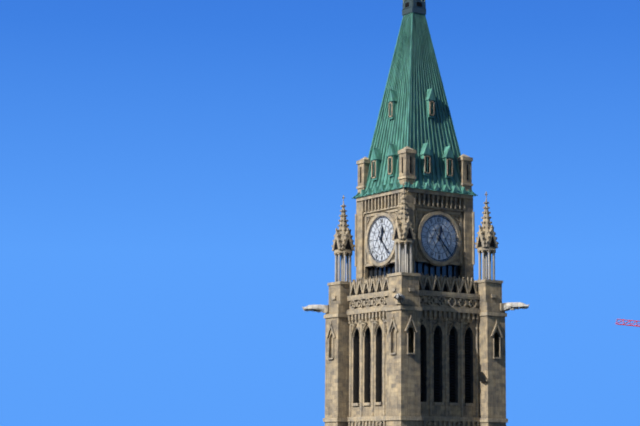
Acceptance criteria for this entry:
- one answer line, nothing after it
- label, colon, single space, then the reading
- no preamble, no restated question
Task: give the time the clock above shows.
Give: 12:23
